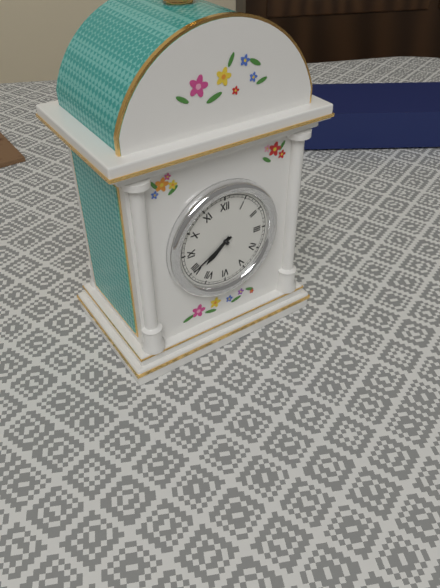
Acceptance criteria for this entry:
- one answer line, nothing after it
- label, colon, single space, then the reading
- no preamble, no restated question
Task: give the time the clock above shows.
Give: 7:40
